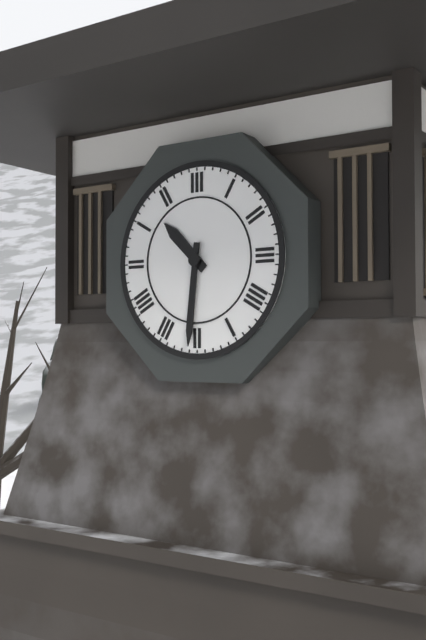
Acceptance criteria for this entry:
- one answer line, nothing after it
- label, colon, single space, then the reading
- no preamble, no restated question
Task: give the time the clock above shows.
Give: 10:31
